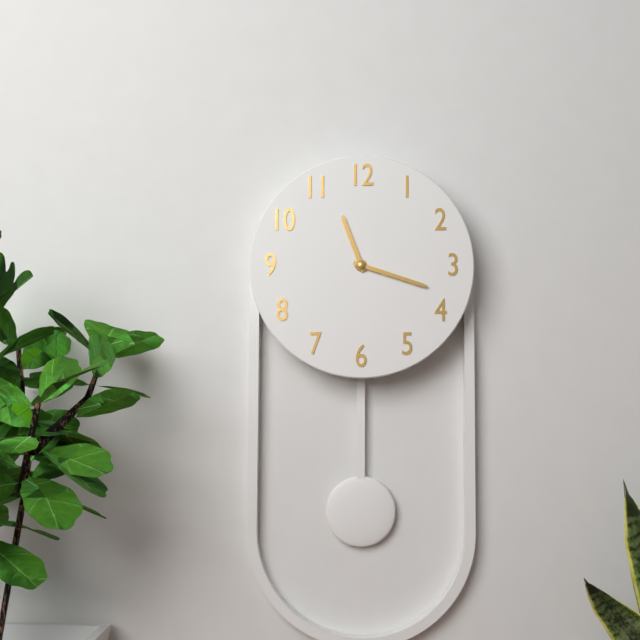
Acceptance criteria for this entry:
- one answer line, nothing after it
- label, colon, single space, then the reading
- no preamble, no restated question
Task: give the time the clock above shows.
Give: 11:18
